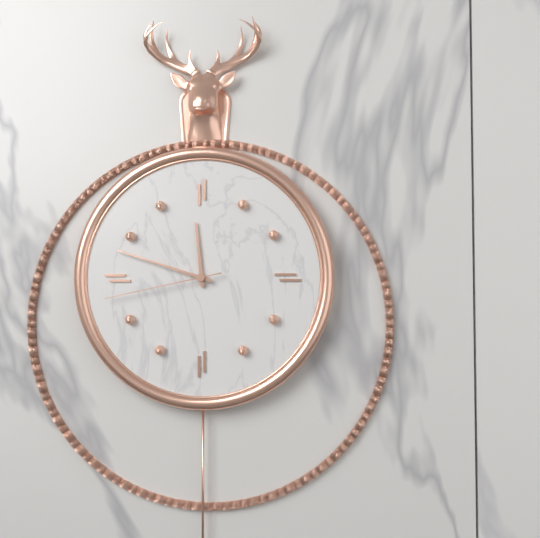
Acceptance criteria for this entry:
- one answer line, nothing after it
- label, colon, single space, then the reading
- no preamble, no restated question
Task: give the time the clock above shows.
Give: 11:48:43
